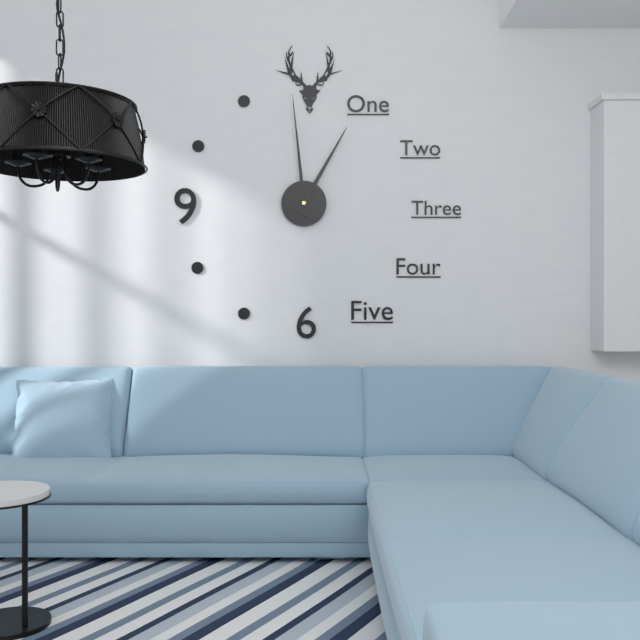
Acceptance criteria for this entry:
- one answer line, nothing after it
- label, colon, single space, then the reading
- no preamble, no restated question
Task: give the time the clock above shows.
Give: 12:59
